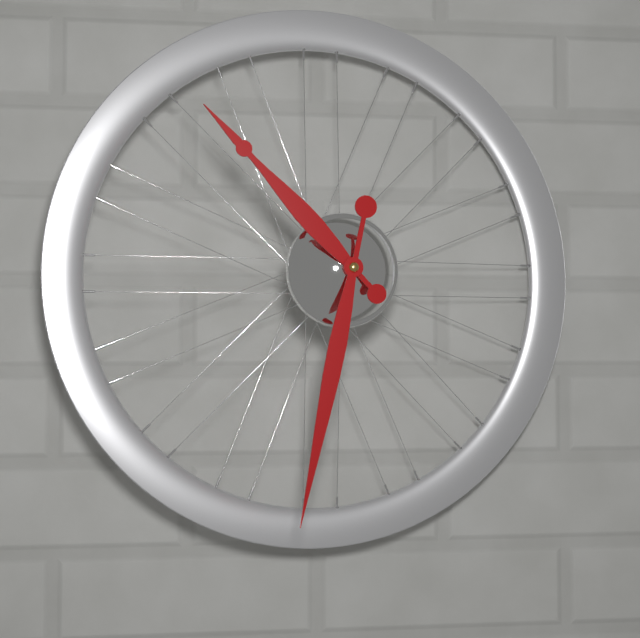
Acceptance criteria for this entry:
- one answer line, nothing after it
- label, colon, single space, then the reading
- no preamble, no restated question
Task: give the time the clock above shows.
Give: 10:32
